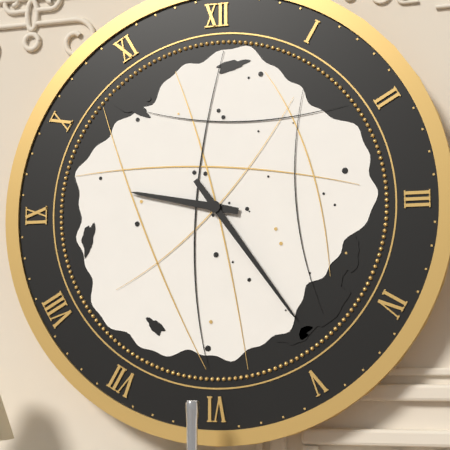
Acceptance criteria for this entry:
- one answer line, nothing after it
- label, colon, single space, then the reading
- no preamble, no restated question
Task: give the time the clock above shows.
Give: 9:24
